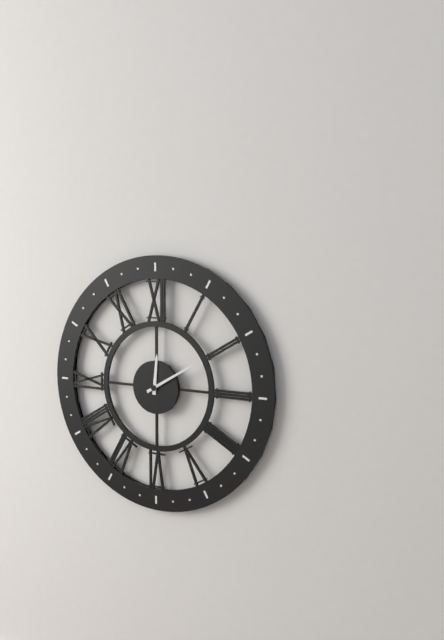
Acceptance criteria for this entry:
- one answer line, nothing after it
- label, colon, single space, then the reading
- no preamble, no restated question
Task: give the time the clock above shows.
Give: 12:10
